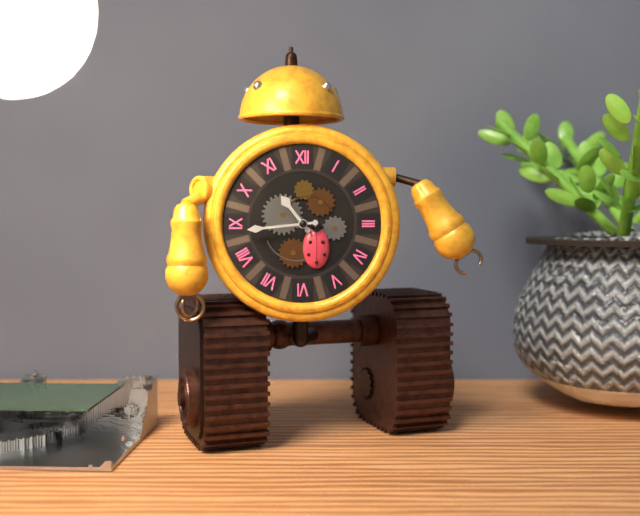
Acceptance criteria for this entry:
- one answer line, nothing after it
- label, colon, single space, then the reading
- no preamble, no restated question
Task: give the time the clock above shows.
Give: 10:44
